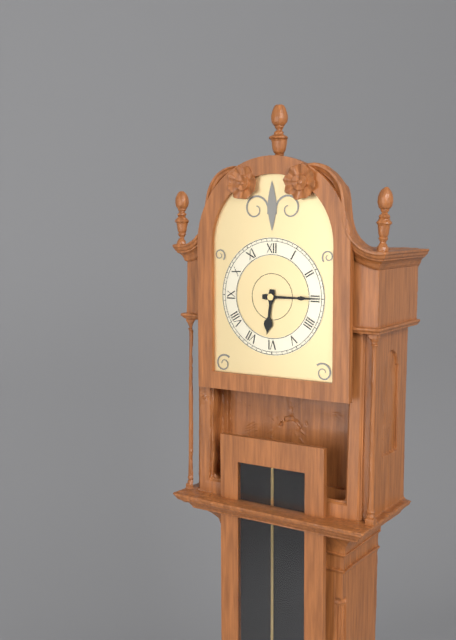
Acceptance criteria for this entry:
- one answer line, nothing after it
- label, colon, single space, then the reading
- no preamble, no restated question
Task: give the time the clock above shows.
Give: 6:15
